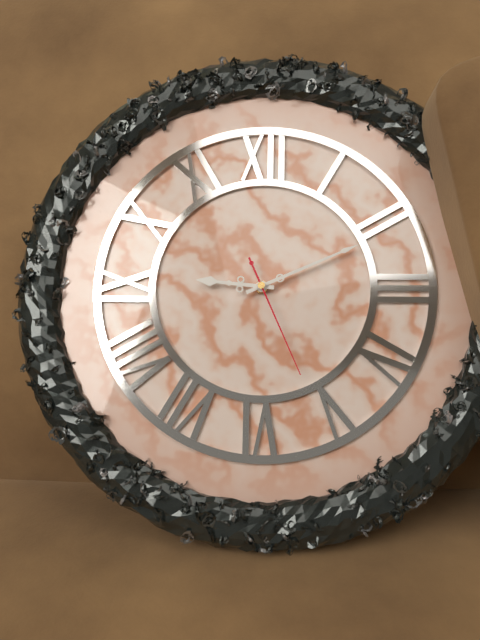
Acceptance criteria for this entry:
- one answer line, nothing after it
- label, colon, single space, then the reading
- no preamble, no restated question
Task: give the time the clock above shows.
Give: 9:11:26
